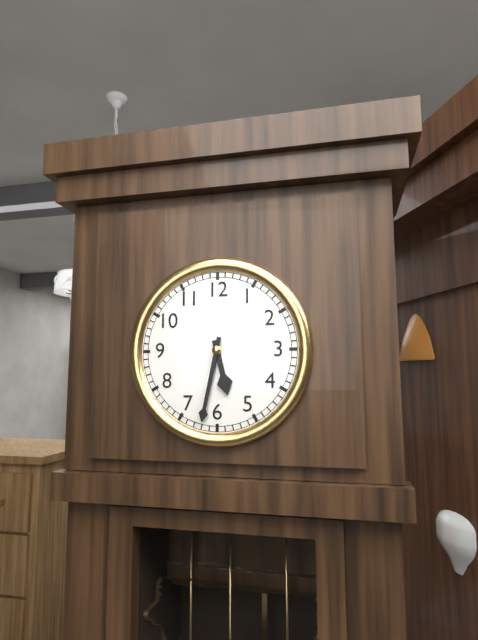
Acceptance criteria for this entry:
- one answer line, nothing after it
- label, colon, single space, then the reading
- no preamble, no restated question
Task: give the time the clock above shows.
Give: 5:32
